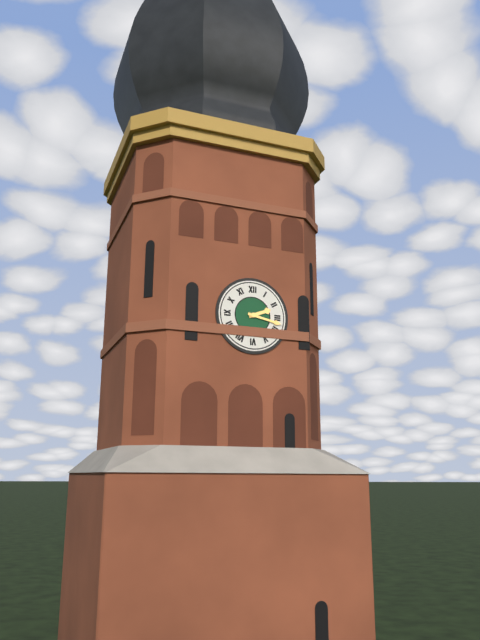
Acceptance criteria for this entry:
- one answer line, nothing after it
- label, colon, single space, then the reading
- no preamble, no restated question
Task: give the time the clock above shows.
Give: 2:17
